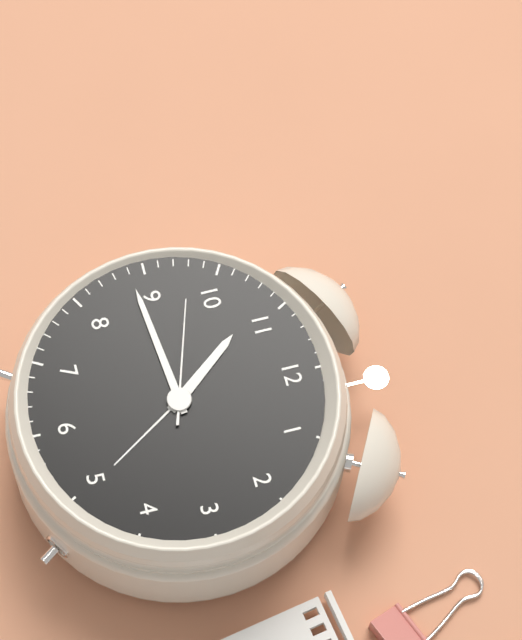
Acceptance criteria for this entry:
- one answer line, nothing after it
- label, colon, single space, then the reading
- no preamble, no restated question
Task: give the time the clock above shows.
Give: 10:44:48
